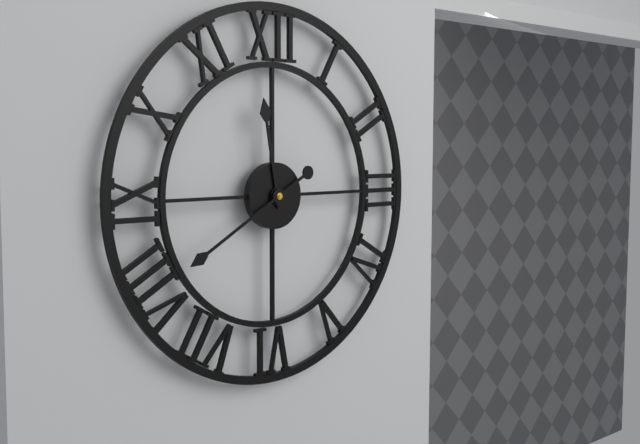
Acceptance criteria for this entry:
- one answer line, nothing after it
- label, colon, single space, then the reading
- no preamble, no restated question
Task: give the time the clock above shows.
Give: 11:40
